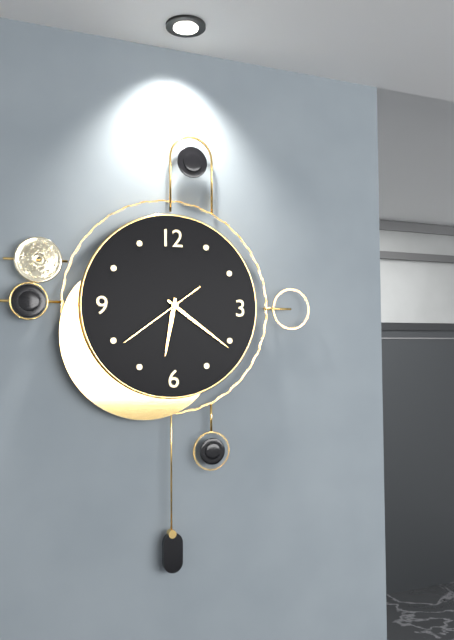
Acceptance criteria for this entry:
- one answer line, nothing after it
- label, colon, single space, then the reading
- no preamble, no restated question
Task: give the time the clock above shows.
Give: 6:21:39
